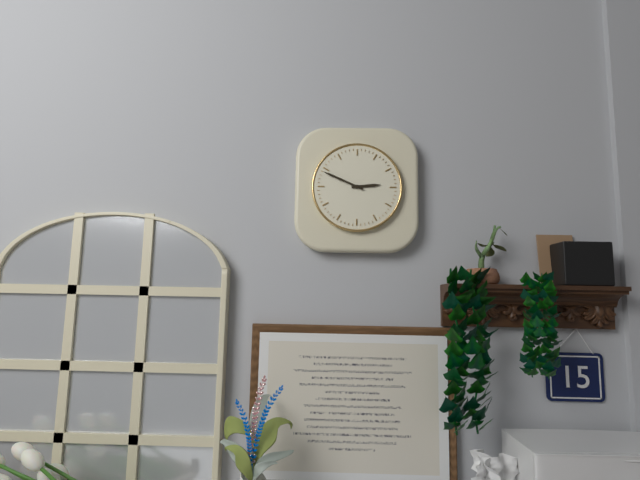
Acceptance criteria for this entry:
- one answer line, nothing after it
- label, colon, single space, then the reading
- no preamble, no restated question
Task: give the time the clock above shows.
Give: 2:49
